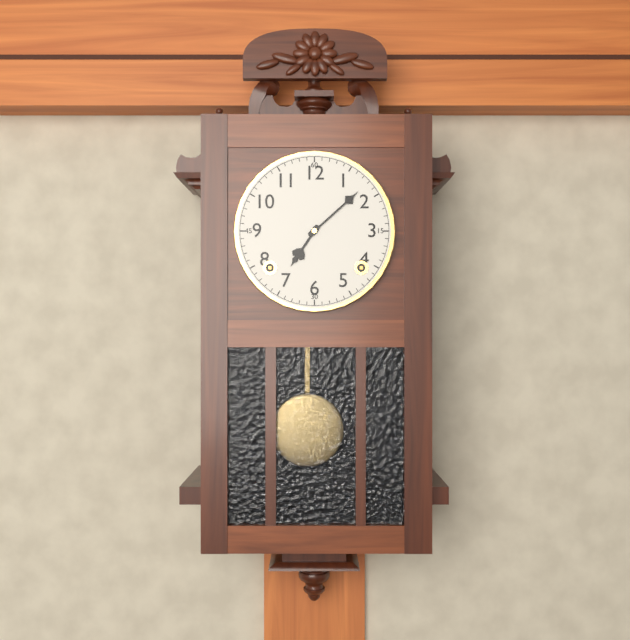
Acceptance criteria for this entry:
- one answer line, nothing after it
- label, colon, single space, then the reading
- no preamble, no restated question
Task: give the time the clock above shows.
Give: 7:08
